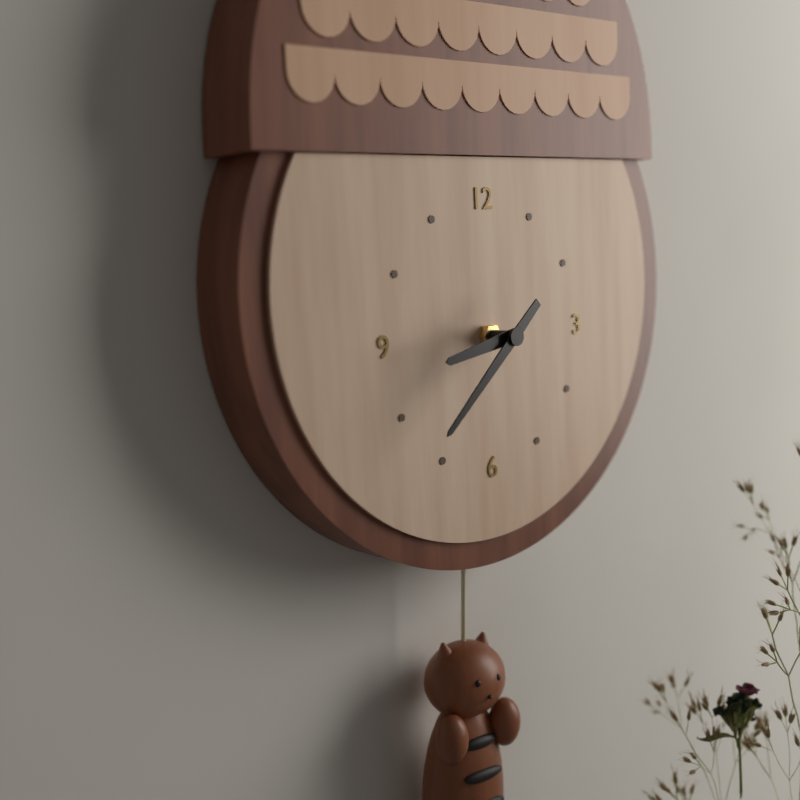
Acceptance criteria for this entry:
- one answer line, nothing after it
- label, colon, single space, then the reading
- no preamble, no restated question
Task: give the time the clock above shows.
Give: 8:38
